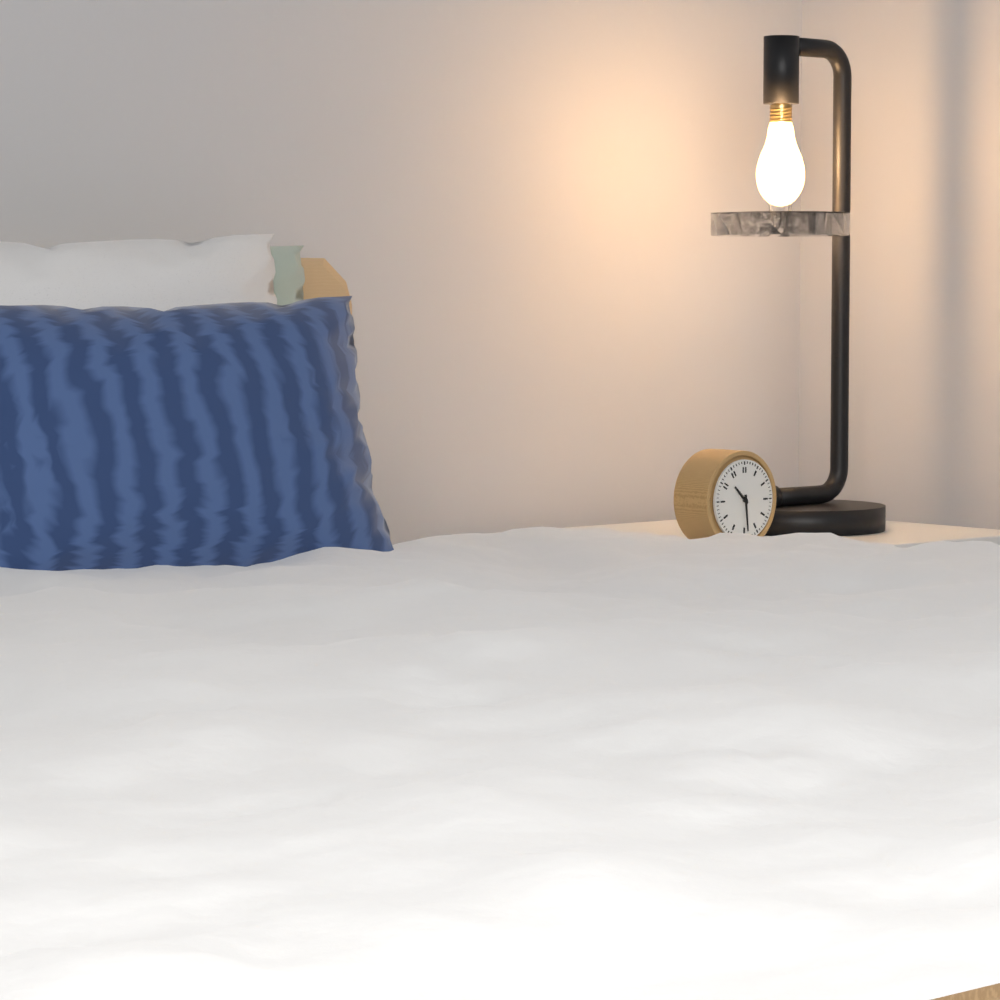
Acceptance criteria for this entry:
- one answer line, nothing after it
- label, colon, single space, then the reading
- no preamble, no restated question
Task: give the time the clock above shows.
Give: 10:29
